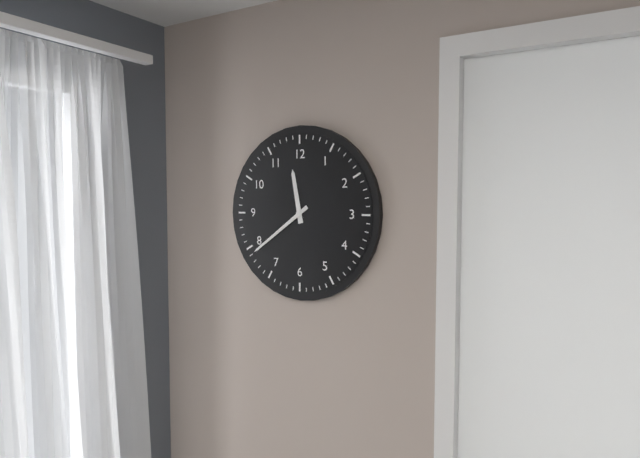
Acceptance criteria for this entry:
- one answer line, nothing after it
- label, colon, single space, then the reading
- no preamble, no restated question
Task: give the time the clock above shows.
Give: 11:39
